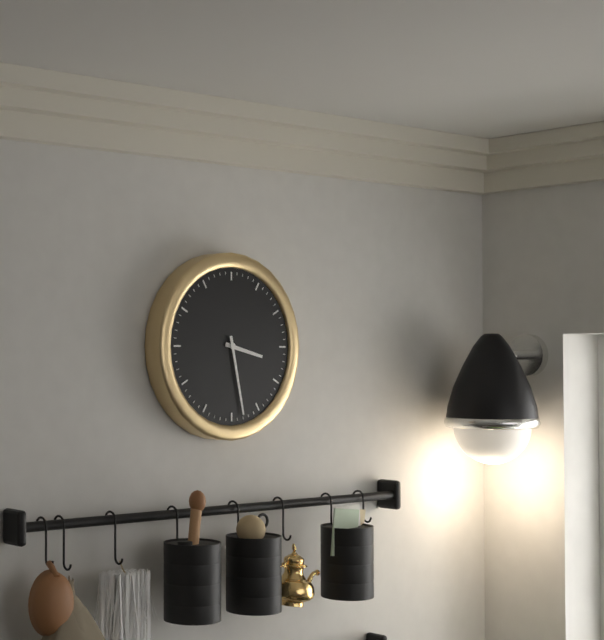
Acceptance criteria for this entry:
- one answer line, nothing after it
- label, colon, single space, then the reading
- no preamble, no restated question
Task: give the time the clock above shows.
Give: 3:28
